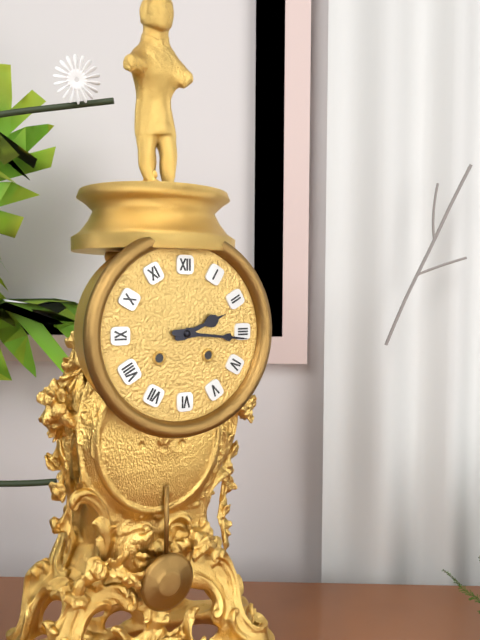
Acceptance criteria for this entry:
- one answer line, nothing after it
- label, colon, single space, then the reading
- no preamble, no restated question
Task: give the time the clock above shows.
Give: 2:16
